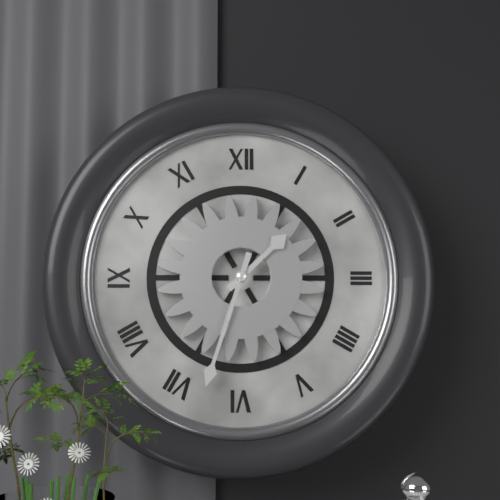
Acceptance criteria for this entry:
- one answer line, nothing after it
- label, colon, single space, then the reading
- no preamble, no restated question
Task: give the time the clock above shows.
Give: 1:33
